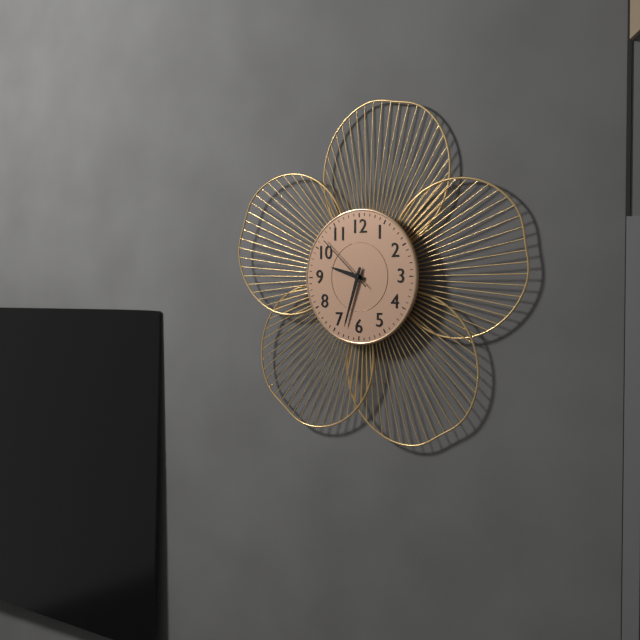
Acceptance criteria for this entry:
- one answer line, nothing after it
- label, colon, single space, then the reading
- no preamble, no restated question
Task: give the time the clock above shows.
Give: 9:33:52
